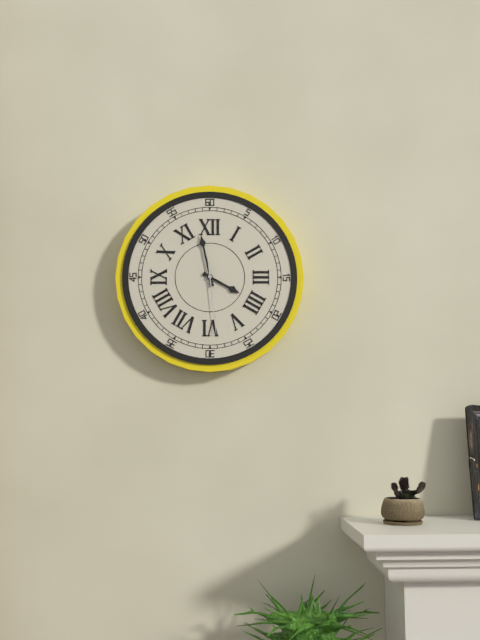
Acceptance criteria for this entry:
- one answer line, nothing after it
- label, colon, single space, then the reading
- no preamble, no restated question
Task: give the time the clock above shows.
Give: 3:58:29
